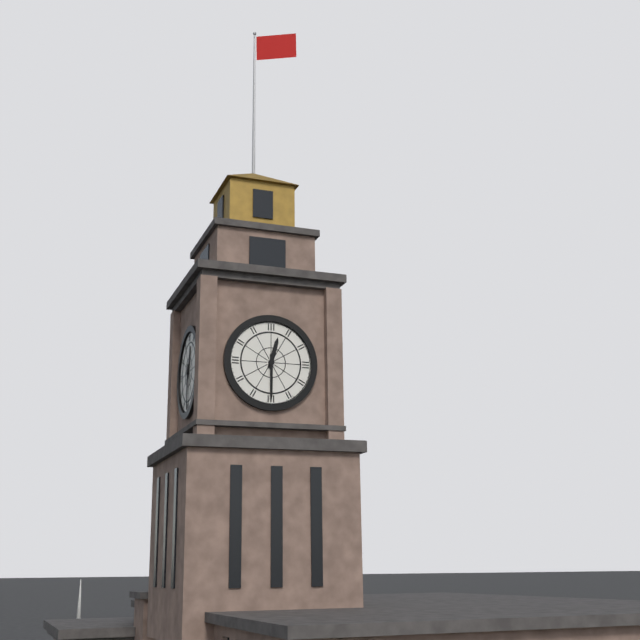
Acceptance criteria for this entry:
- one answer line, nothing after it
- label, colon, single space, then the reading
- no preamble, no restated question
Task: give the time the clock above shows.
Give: 12:30
